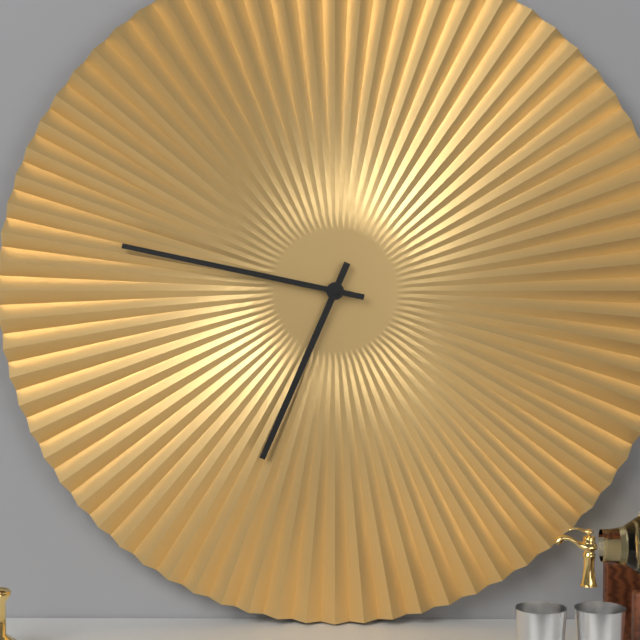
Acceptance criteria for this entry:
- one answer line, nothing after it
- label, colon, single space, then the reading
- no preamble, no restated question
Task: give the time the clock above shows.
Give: 6:47
